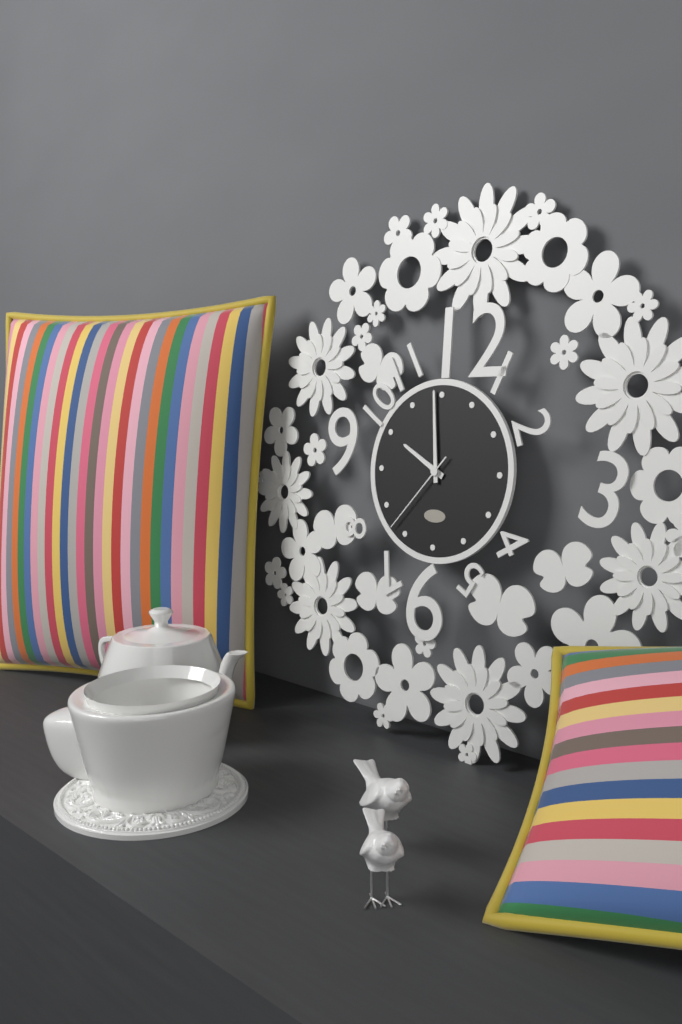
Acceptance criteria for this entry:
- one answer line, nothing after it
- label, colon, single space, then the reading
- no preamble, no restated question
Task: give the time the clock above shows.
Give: 9:59:37
